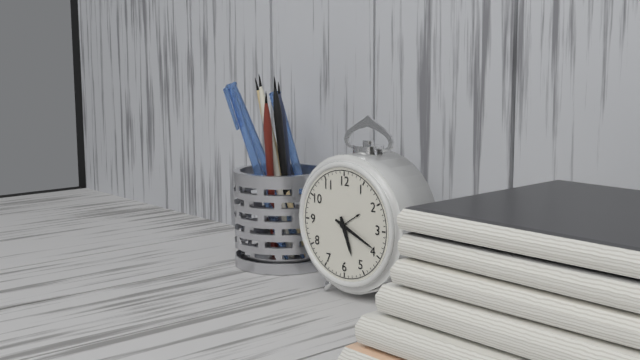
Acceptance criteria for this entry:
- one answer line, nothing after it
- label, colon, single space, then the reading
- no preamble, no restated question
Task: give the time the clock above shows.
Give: 5:19
